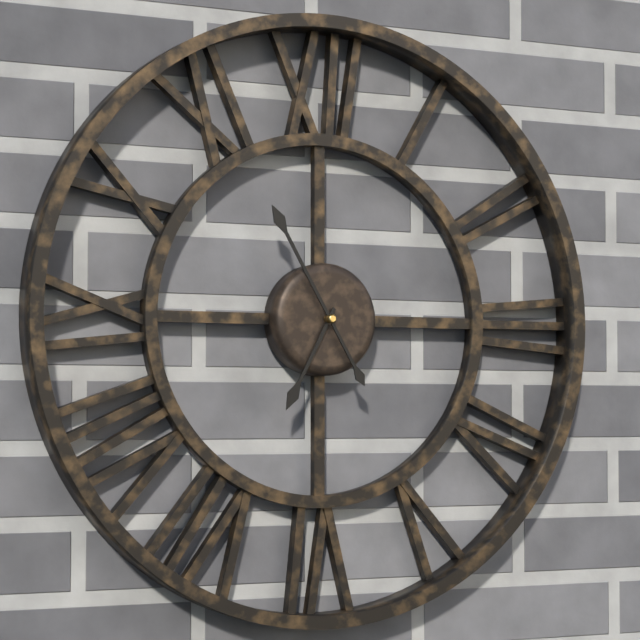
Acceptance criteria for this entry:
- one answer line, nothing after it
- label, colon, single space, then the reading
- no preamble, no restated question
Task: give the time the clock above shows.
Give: 6:55
